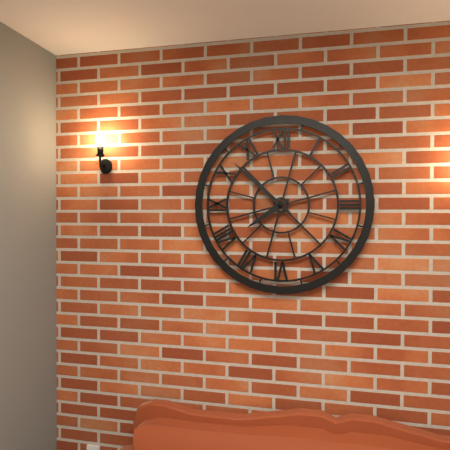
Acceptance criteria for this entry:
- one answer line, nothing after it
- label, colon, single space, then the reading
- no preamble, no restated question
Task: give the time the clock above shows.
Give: 7:52
